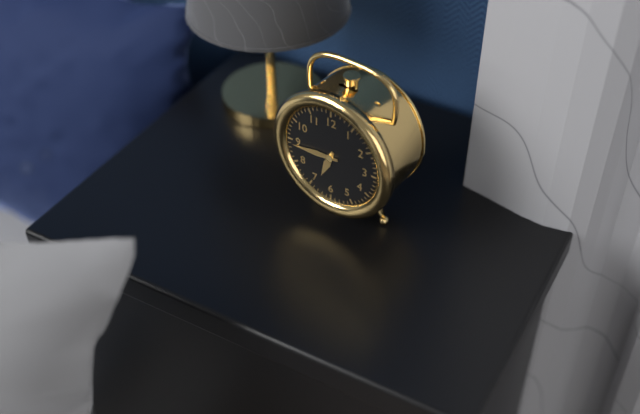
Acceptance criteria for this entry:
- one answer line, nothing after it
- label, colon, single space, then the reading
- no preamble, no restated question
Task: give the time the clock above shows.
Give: 6:44
